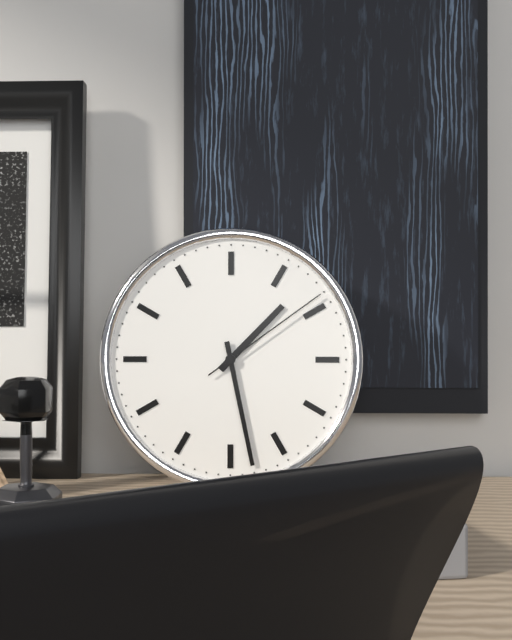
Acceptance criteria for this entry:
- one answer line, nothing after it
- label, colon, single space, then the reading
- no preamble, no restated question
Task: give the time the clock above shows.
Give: 1:28:09
